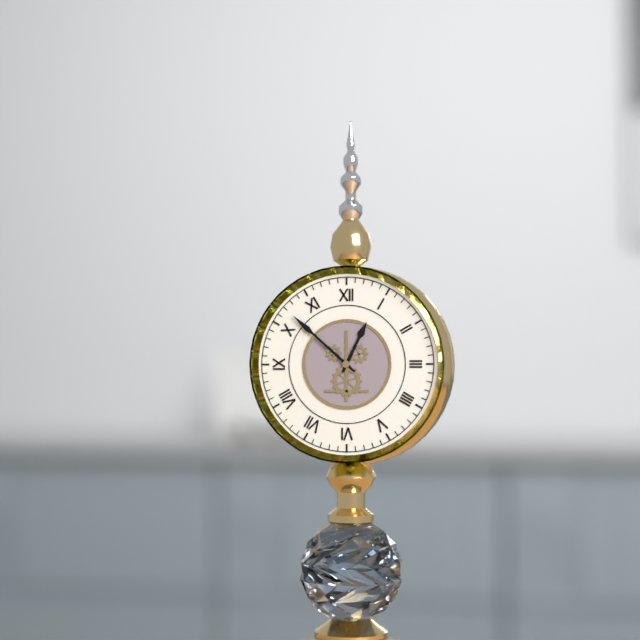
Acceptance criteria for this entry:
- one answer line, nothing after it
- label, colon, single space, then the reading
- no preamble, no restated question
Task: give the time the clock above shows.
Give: 12:52
